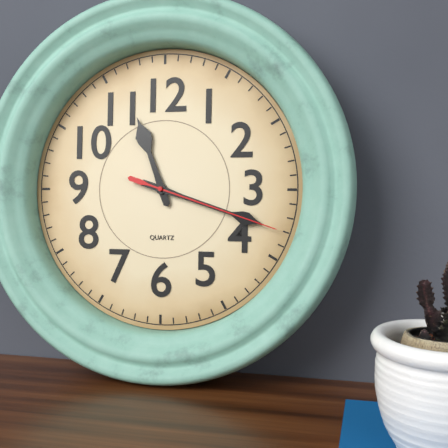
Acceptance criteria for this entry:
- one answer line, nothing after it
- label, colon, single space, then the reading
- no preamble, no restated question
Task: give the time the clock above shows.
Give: 11:18:18
